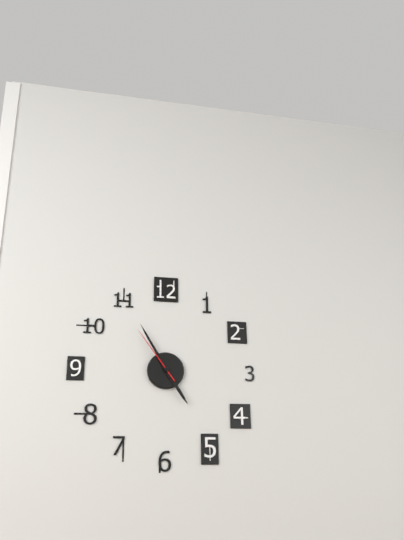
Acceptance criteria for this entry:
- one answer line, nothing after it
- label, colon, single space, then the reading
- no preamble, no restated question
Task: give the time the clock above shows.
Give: 4:55:54
